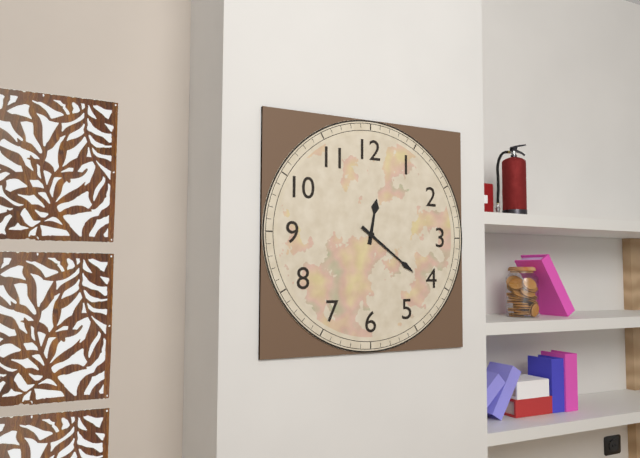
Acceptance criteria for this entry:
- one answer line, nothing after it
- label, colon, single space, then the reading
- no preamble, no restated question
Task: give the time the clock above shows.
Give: 12:21
